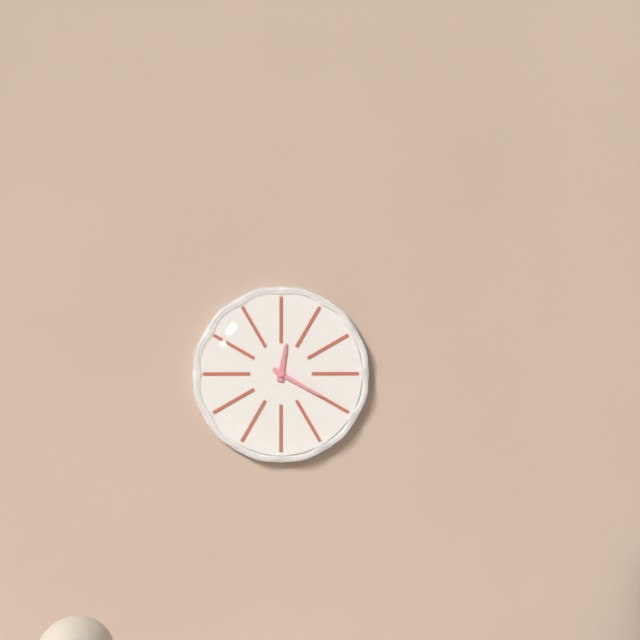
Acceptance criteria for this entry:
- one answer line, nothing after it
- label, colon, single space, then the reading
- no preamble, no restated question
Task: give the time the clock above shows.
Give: 12:20
